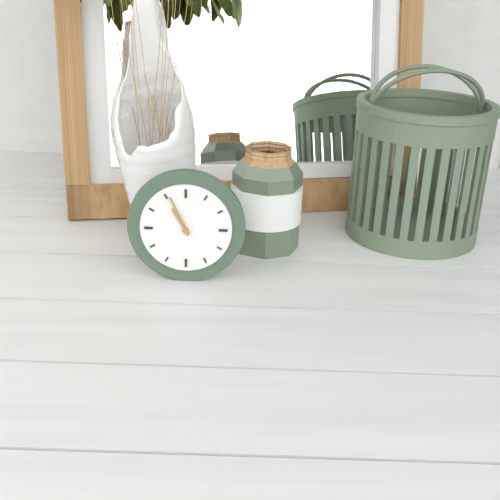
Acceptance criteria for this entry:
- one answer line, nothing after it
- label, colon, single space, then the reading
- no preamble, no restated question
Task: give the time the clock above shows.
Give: 10:56
